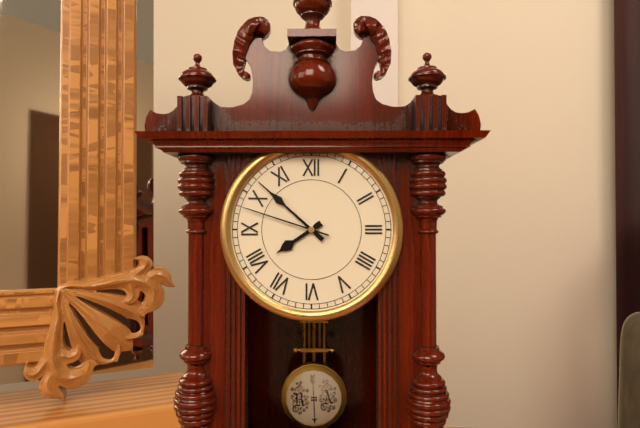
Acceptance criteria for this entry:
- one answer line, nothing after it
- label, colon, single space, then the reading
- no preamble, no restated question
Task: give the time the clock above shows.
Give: 7:52:48
